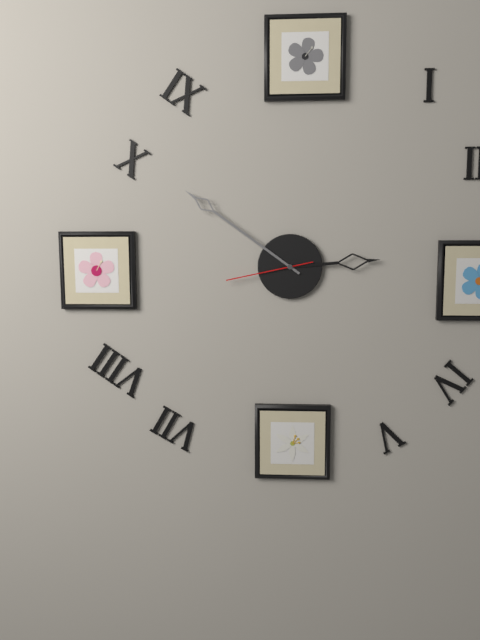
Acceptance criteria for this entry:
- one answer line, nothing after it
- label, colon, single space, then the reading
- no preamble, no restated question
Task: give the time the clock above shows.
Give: 2:51:43
